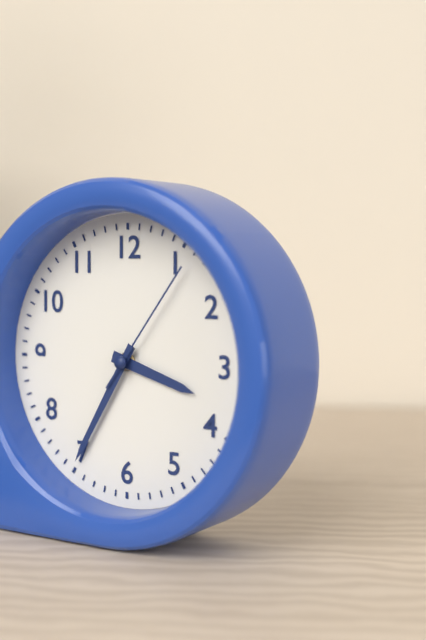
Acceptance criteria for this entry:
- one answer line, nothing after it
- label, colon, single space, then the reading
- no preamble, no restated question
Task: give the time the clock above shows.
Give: 3:35:06
